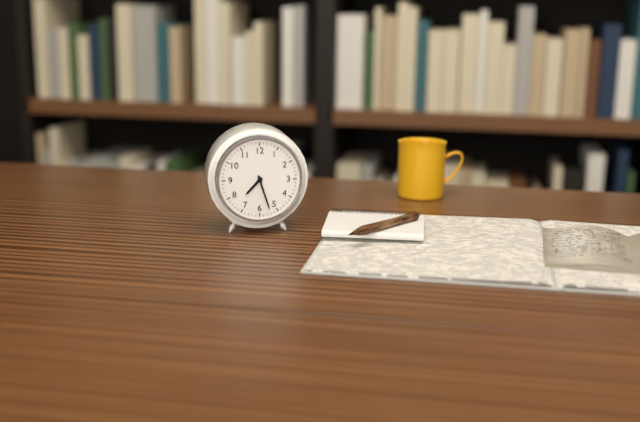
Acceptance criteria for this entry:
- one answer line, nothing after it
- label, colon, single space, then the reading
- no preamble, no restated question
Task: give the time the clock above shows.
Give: 7:27
